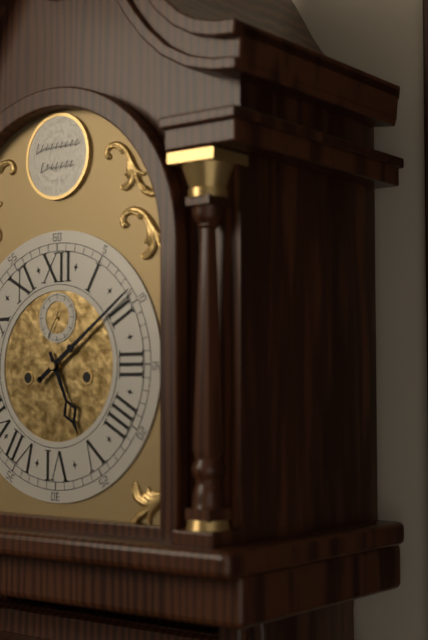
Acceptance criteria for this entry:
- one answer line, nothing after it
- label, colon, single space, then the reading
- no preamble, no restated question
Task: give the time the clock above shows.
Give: 5:09:35
